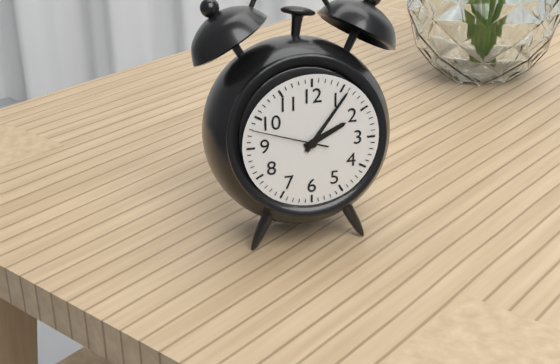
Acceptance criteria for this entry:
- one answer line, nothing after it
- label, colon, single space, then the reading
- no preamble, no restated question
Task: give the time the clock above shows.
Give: 2:06:48
